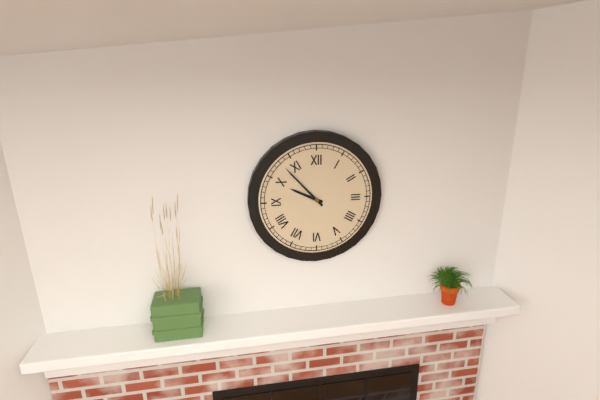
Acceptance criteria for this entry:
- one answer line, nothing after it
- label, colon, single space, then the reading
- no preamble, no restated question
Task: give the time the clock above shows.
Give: 9:53
